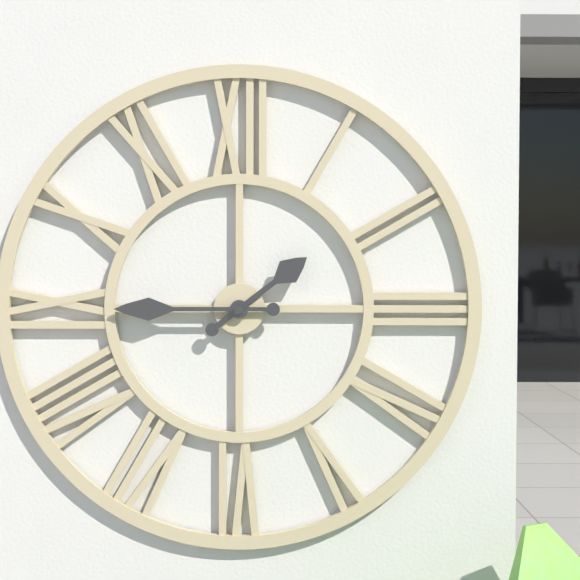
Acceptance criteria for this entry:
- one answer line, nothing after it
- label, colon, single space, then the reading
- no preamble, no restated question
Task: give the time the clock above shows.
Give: 1:45
